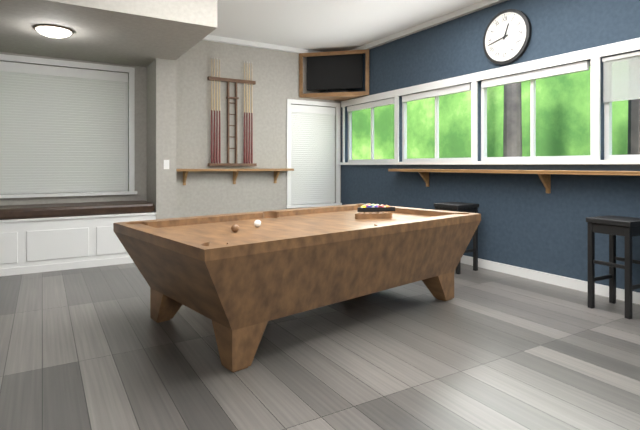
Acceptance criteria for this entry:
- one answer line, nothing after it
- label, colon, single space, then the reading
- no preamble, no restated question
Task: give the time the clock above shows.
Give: 12:43
